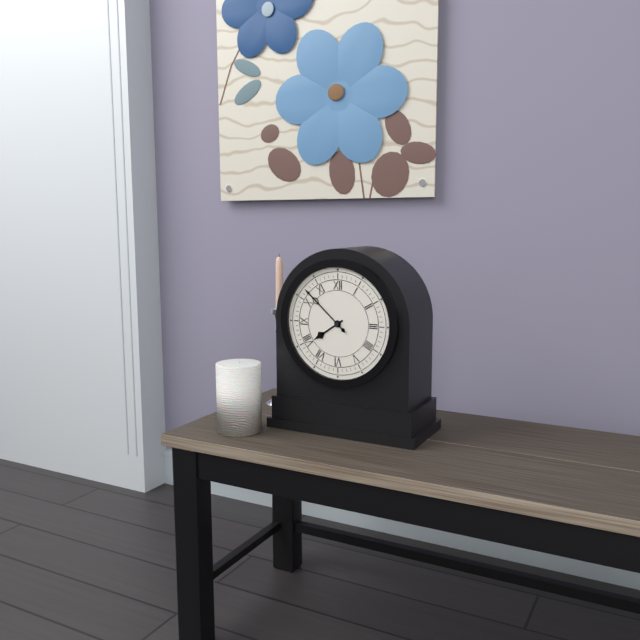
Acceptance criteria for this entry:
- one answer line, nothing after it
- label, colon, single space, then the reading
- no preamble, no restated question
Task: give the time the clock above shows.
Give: 7:52
